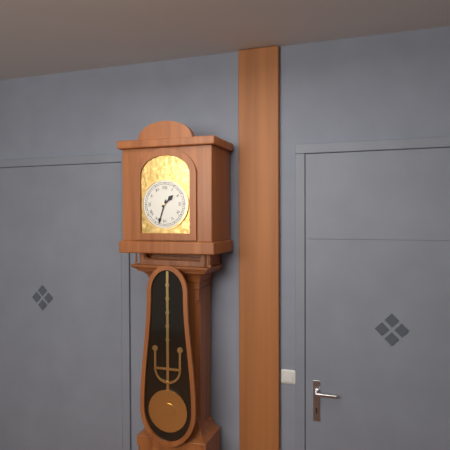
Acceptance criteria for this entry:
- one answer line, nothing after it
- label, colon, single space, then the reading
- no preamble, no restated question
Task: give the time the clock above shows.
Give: 1:33
